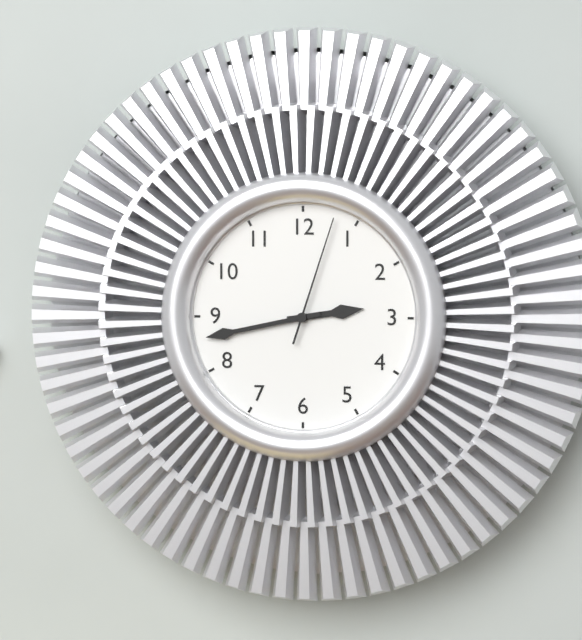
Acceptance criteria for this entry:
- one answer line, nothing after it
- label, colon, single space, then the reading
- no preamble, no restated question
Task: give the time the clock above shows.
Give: 2:43:03
